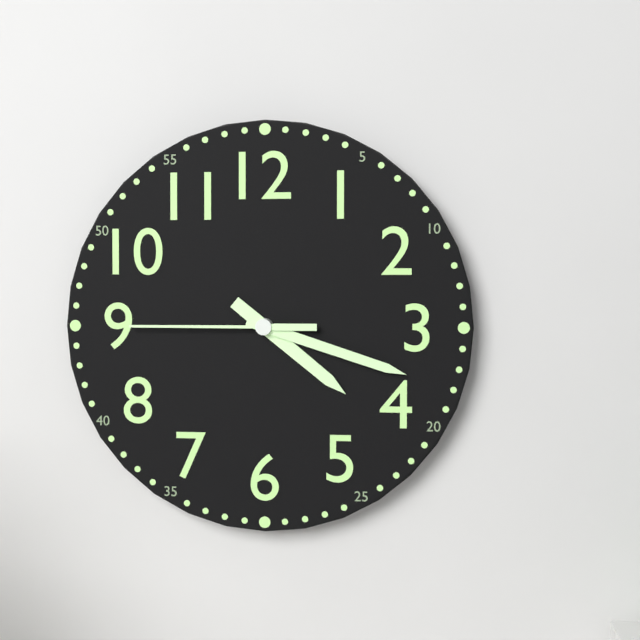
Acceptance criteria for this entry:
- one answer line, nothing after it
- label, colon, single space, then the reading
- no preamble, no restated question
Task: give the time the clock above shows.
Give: 4:18:45
